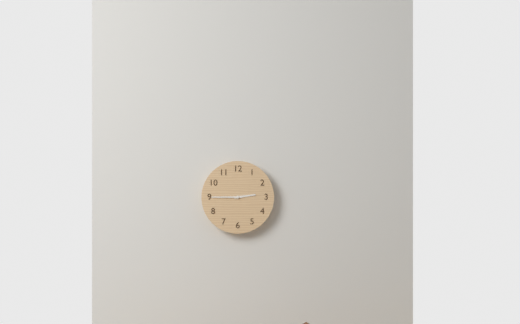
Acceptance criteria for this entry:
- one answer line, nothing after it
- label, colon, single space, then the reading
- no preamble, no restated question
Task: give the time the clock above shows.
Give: 2:45
